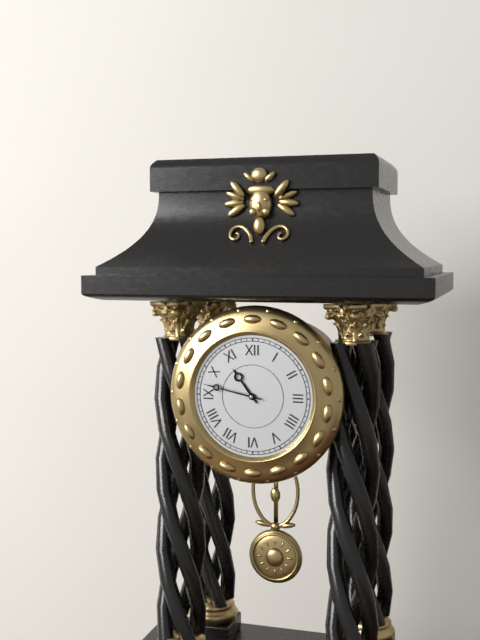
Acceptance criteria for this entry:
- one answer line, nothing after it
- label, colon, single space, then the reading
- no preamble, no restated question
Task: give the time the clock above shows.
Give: 10:47
